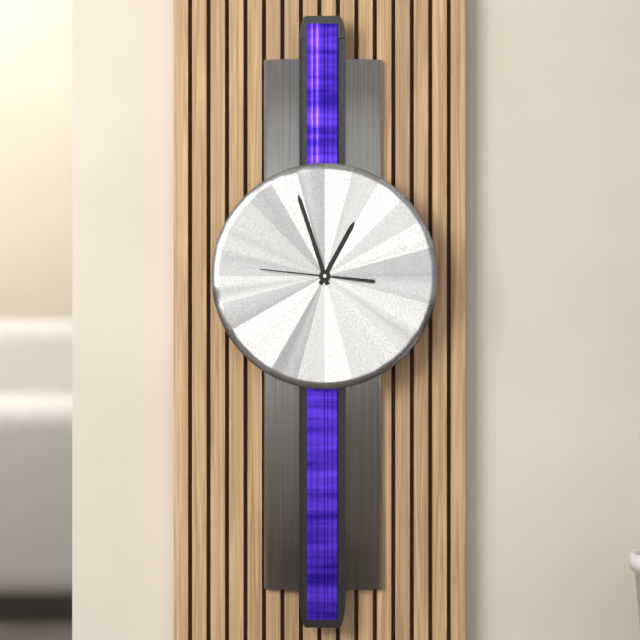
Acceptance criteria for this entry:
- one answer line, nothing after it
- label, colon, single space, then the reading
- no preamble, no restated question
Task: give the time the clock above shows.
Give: 12:57:46
